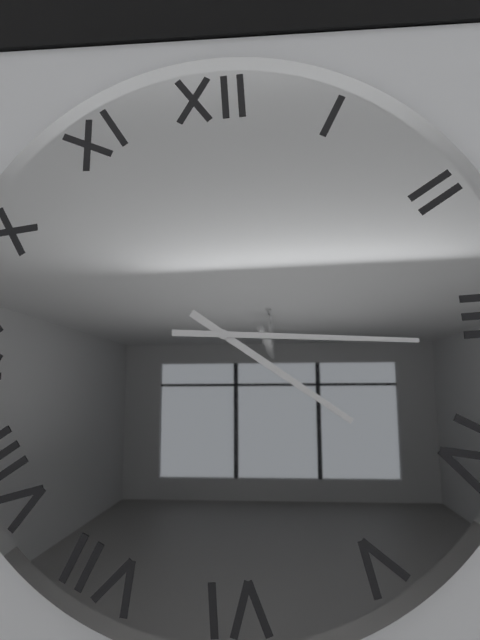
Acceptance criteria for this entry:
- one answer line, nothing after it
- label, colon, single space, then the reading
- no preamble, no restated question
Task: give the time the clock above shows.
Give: 4:16
